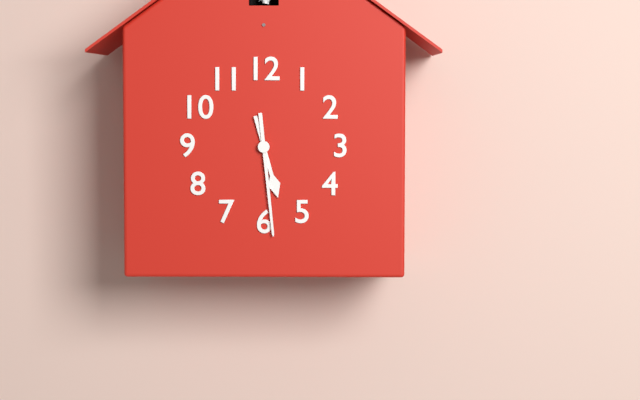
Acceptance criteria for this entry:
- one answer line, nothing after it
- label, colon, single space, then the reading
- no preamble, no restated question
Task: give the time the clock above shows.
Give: 5:29
